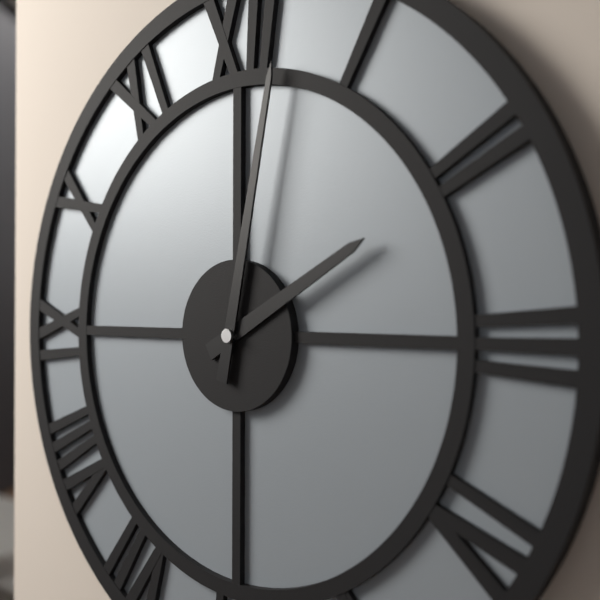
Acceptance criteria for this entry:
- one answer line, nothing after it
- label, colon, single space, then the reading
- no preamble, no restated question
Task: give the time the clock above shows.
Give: 2:02
